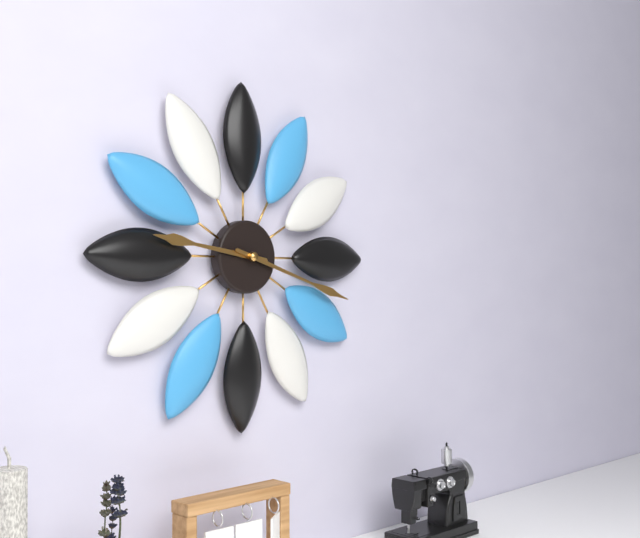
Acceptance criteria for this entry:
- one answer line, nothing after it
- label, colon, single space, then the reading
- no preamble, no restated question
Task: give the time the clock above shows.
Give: 9:18
